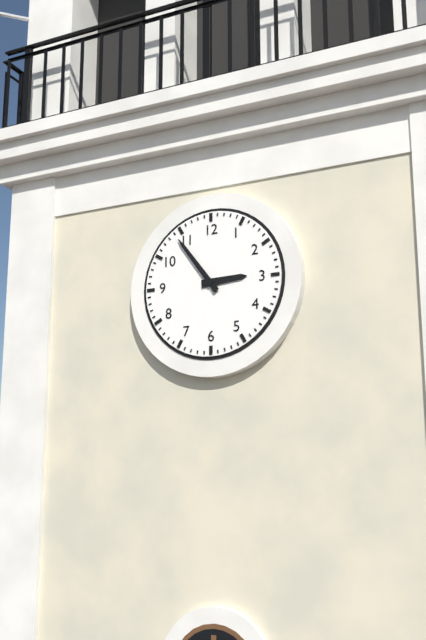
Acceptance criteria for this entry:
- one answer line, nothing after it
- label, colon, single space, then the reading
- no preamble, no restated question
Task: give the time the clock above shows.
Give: 2:54
